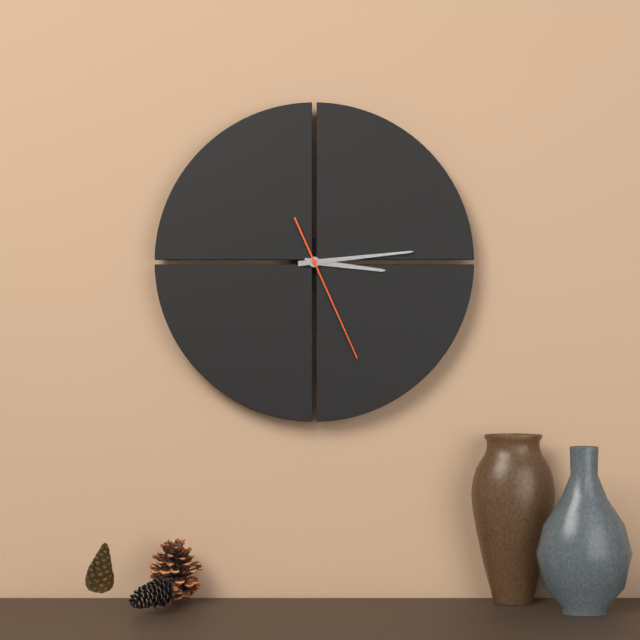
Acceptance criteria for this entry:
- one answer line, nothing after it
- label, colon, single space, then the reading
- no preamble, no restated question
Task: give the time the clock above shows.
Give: 3:14:26
